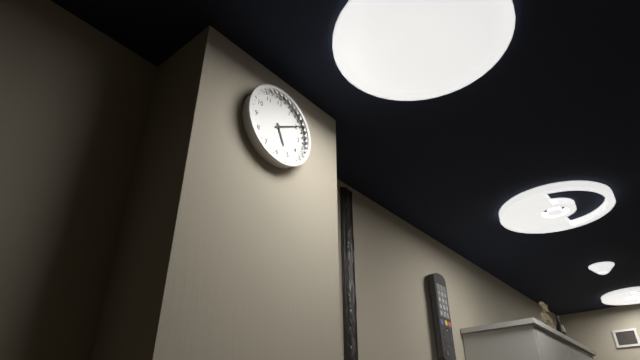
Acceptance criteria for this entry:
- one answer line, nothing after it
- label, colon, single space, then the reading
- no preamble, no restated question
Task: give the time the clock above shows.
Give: 5:10
